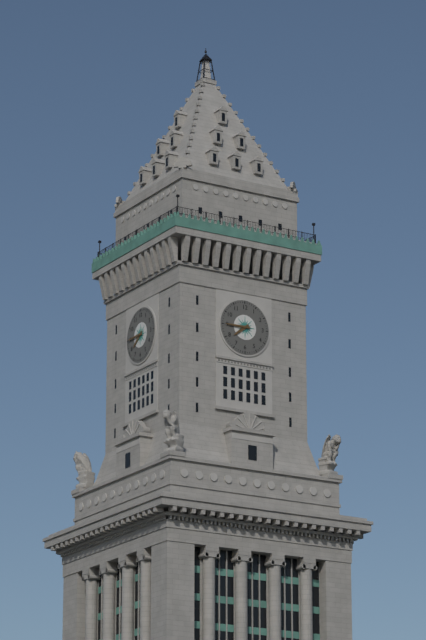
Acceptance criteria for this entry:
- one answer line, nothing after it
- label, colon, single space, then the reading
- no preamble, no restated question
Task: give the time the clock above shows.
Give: 7:45
